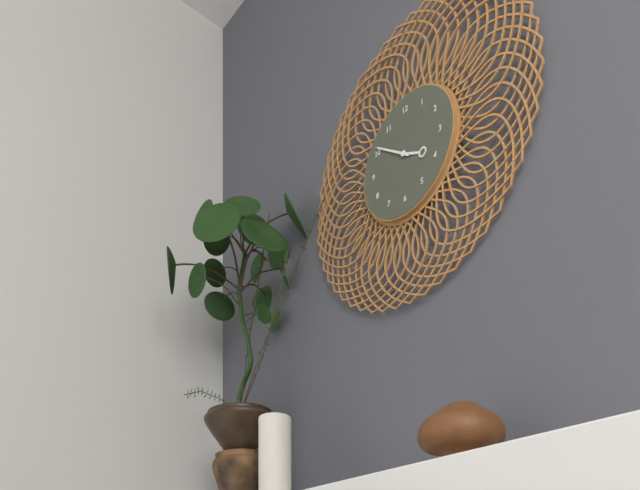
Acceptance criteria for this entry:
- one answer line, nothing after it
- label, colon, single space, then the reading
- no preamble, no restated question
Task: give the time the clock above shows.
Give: 3:51
